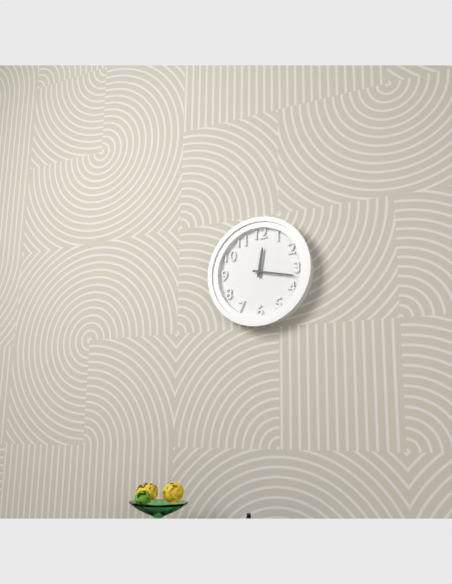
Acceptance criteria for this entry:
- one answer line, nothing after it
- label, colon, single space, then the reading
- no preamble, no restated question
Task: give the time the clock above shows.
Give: 12:17
